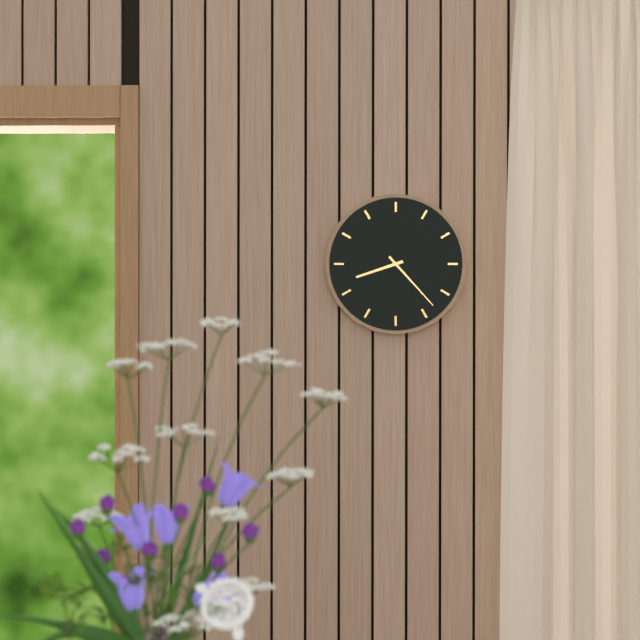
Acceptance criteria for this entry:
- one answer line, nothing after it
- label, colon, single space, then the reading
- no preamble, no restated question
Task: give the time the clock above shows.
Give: 8:23
